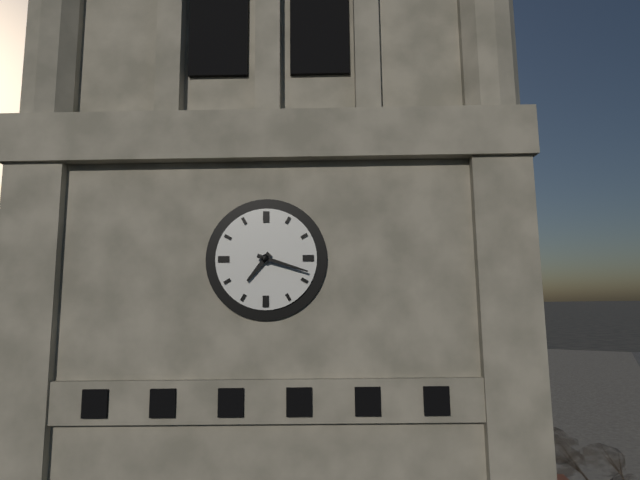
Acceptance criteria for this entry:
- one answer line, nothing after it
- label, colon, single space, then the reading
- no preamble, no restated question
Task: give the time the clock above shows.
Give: 7:18
